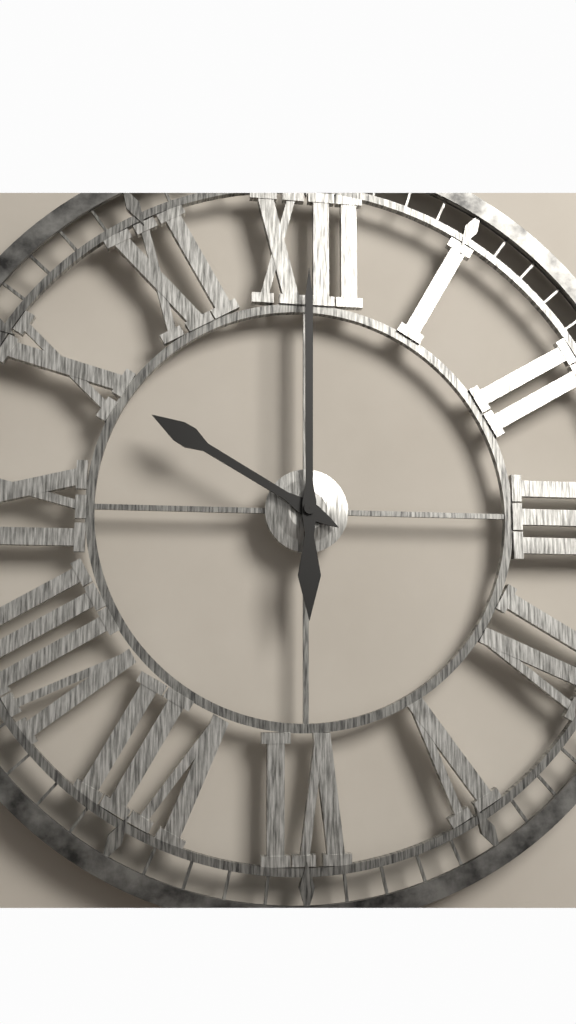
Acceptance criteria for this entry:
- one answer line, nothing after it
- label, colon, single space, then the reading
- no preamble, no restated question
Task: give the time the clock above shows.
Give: 10:00
